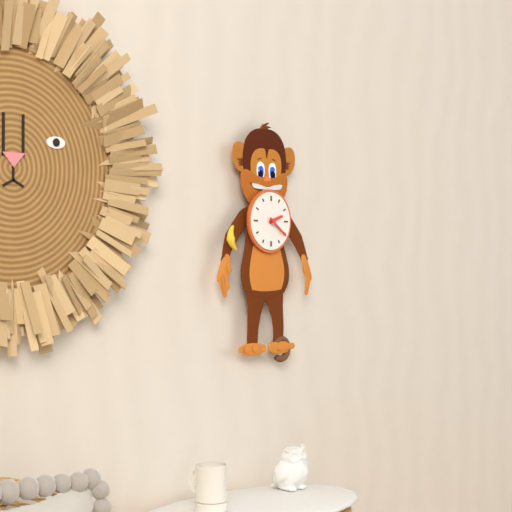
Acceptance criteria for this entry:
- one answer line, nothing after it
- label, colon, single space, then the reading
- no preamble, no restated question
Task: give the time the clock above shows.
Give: 2:21
